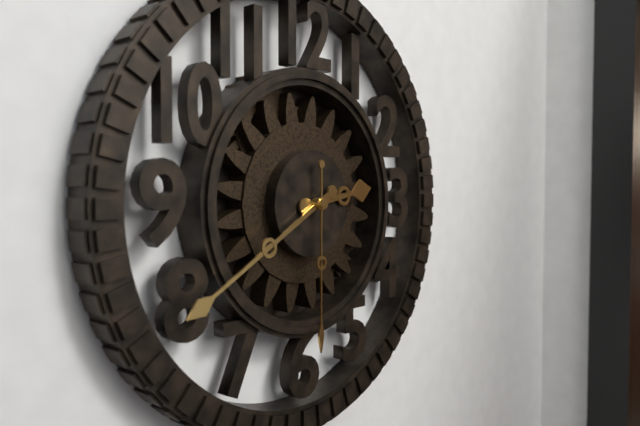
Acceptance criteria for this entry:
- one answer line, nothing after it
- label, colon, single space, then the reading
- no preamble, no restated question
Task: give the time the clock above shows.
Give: 2:40:30
